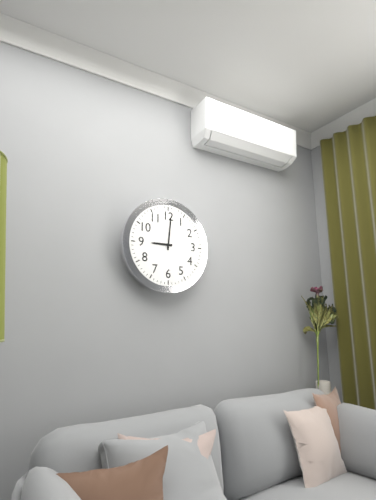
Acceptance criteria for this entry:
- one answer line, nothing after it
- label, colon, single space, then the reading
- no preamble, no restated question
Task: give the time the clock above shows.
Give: 9:01
